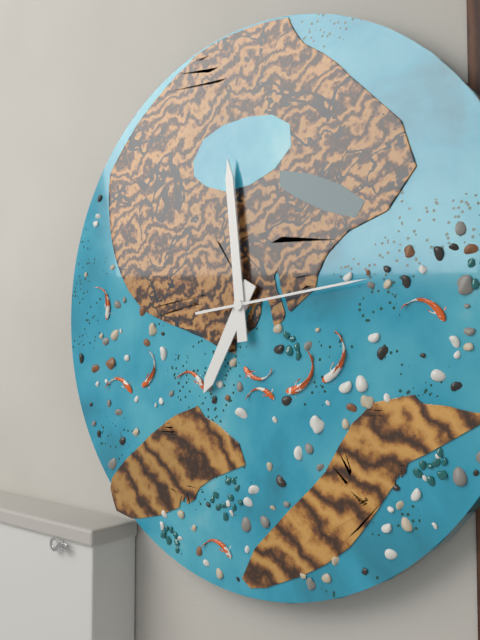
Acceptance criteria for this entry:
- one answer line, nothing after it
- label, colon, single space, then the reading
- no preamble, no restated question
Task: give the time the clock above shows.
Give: 6:59:14
